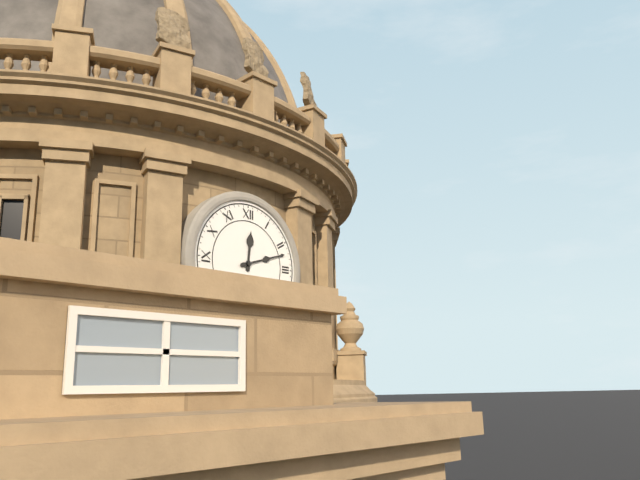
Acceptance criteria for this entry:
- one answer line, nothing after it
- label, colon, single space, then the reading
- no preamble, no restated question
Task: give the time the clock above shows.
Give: 12:12
